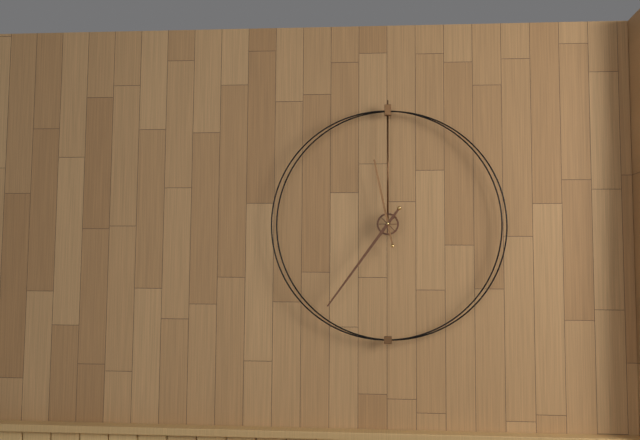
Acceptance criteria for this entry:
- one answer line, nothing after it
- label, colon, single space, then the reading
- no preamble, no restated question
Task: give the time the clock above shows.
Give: 11:36
